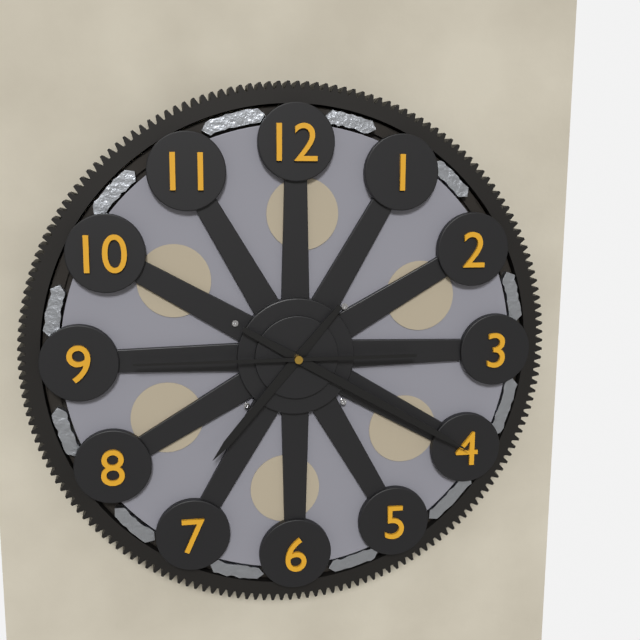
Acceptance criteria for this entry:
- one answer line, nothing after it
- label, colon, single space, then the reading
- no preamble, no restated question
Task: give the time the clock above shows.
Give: 7:20:45
